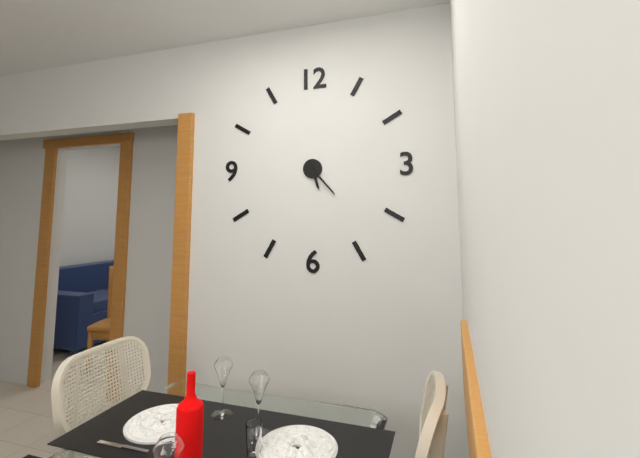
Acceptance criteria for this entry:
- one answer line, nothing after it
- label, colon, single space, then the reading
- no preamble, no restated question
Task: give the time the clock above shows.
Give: 5:23
